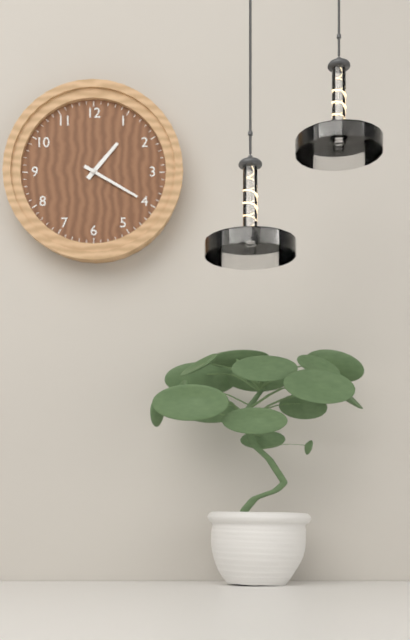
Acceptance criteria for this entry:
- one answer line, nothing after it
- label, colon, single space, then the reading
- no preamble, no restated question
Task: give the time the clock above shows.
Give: 1:20
